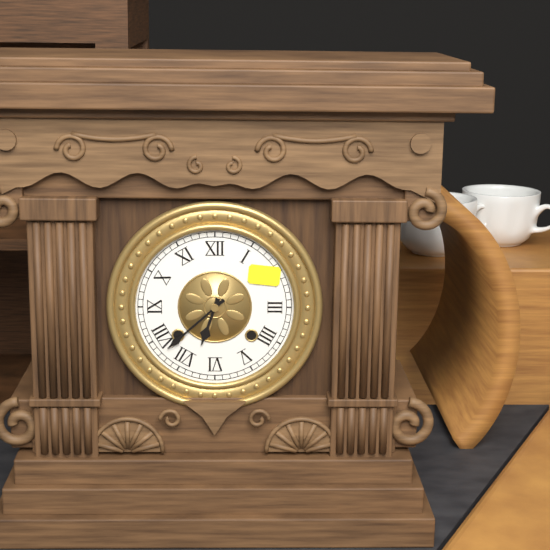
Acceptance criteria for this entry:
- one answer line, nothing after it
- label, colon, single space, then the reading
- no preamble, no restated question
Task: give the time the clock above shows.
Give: 6:38
